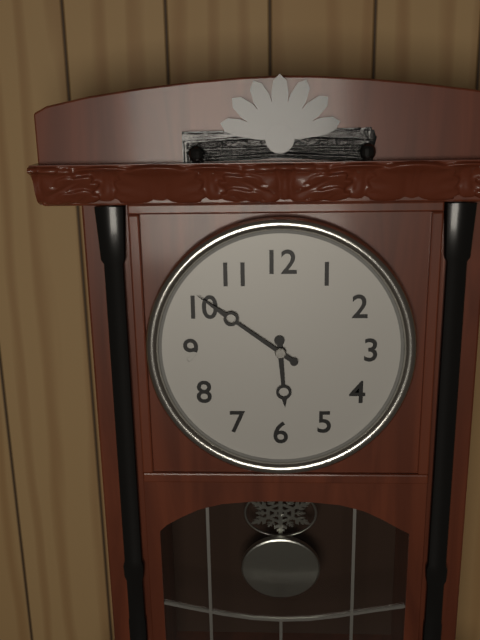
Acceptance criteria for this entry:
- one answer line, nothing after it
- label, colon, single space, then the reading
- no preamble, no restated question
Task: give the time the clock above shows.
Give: 5:51
